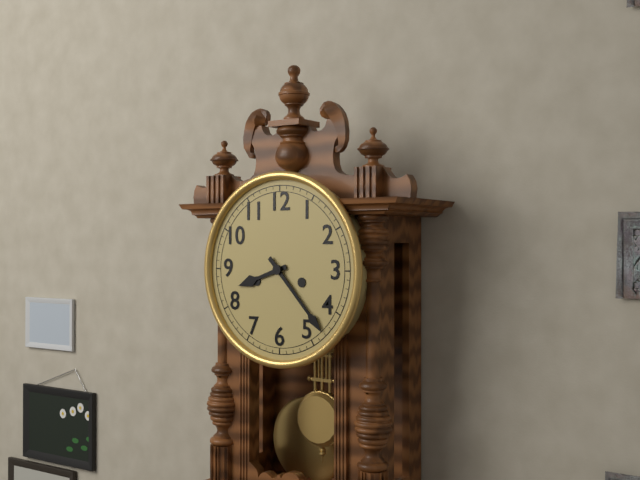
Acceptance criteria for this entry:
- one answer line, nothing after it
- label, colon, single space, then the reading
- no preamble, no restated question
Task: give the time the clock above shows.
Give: 8:23
